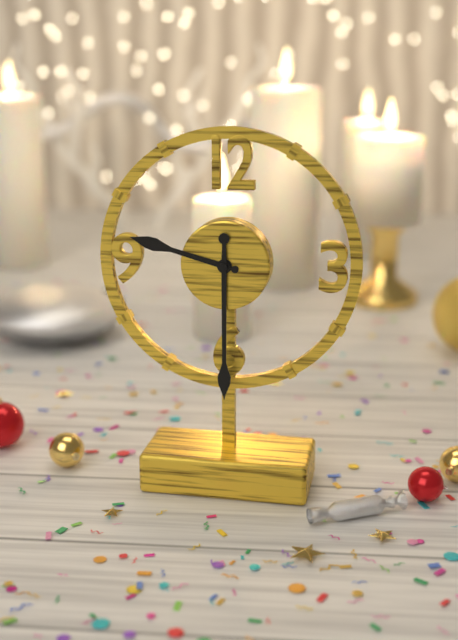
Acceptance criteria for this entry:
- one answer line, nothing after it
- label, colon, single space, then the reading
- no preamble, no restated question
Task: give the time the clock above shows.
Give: 9:30
